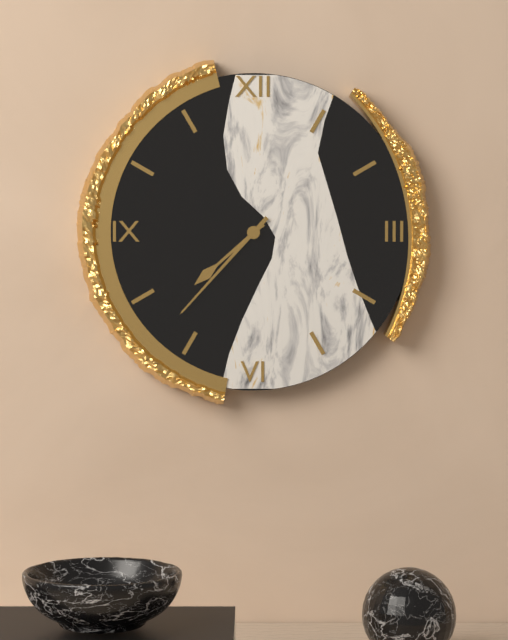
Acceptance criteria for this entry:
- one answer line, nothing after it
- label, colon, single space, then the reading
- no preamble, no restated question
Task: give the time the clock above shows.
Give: 7:37
